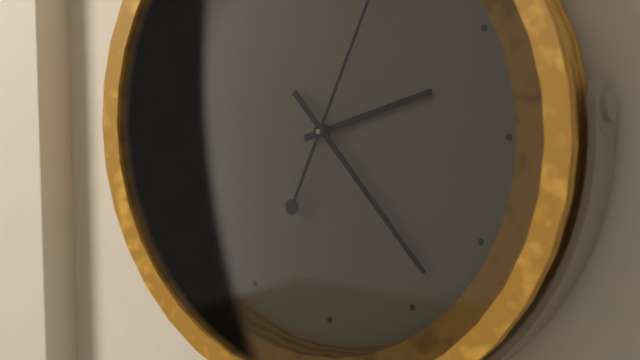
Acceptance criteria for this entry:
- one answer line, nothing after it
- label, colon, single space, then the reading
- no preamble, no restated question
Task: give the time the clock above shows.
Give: 2:23
